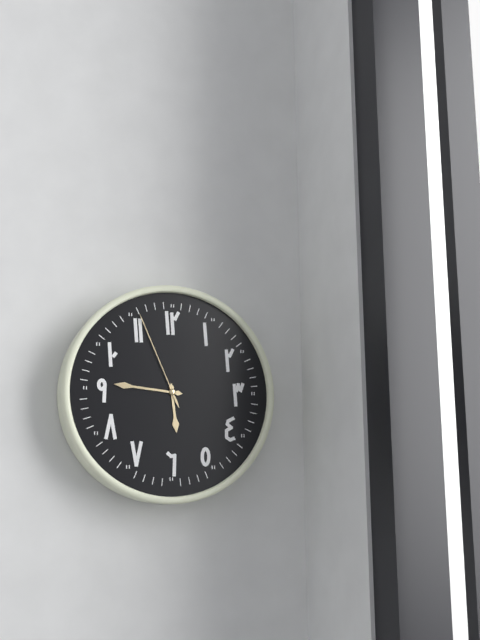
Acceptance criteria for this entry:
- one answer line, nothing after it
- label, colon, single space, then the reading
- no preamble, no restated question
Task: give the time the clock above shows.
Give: 5:46:56
